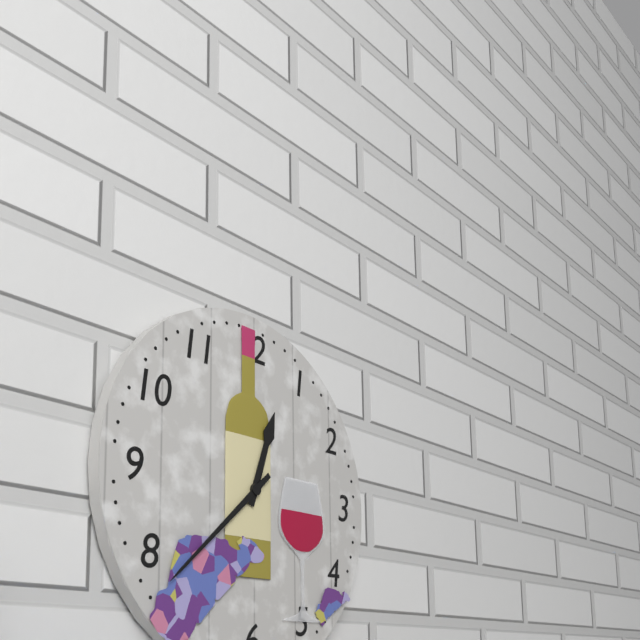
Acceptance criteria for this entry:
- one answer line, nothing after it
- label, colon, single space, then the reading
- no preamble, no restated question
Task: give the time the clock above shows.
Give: 12:38
